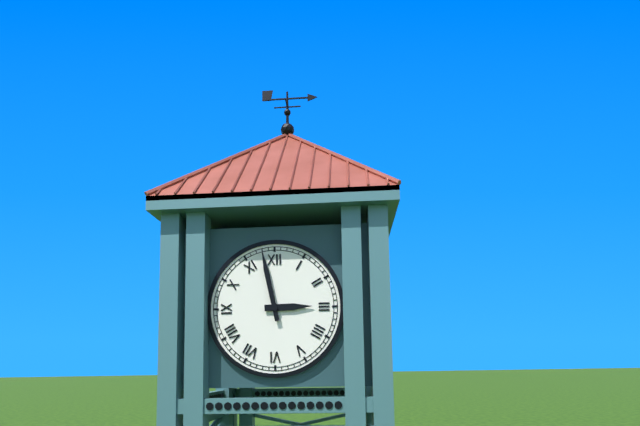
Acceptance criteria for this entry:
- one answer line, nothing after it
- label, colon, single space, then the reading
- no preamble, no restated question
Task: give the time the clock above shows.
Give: 2:58
